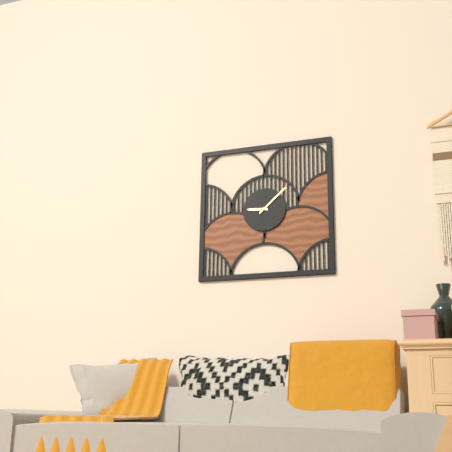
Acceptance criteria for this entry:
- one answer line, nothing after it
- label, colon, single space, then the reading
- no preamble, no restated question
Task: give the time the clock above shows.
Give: 9:08
